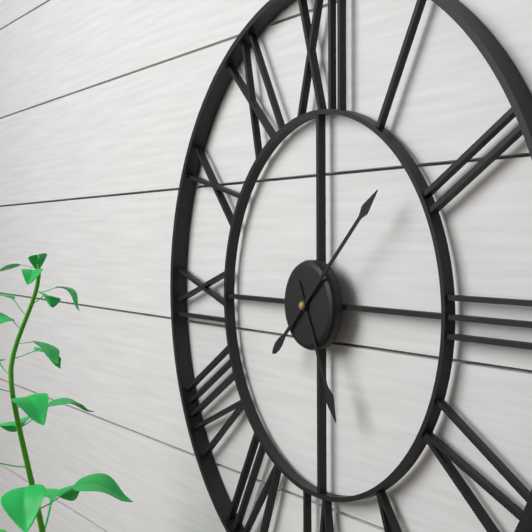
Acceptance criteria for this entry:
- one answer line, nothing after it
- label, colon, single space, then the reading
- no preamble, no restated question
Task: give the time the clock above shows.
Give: 5:08
